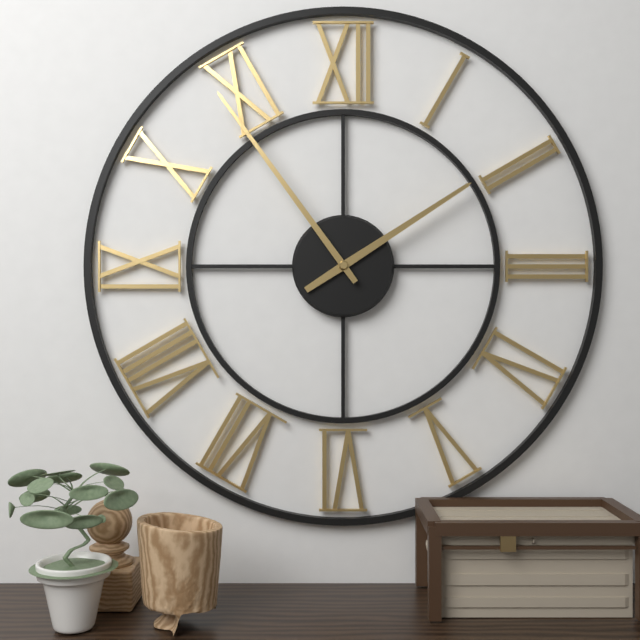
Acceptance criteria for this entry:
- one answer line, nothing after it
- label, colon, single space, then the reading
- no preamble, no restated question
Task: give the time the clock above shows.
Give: 1:54
